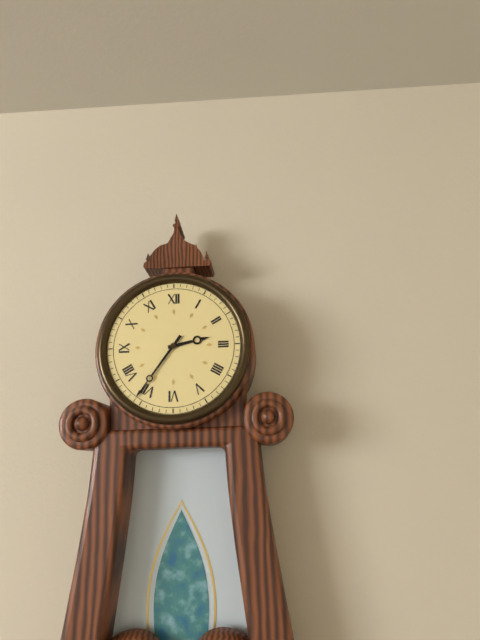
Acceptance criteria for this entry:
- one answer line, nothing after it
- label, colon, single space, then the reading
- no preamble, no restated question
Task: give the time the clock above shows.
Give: 2:36
